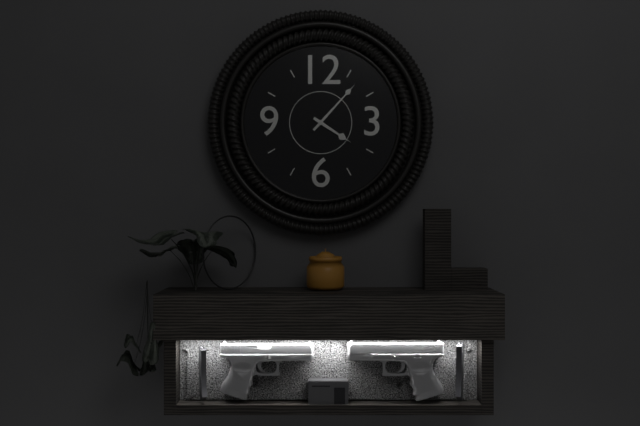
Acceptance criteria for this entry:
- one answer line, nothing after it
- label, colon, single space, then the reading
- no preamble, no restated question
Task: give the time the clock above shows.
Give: 4:07
